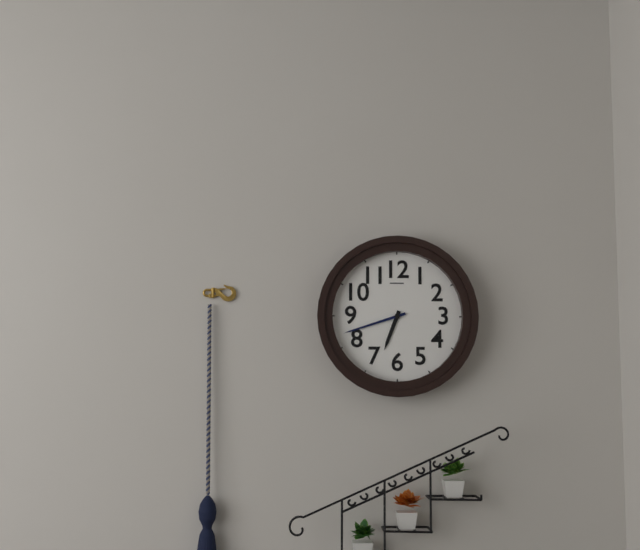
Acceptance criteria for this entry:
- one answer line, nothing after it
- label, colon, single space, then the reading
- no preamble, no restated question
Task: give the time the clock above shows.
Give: 6:42
